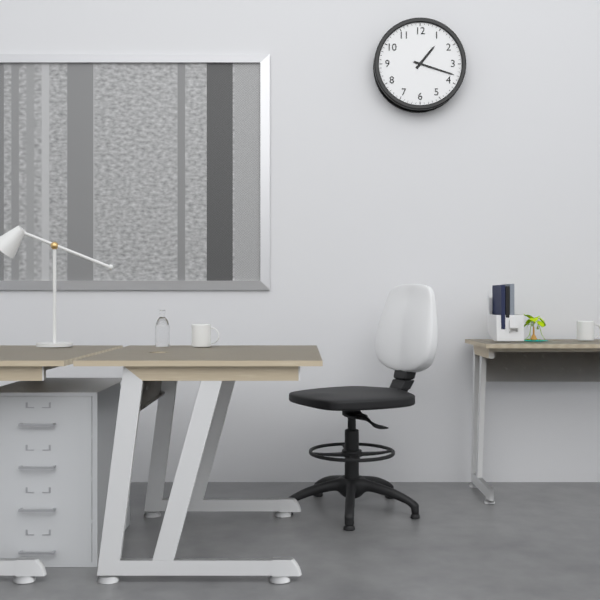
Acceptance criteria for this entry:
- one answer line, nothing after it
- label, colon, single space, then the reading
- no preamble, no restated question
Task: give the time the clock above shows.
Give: 1:18
